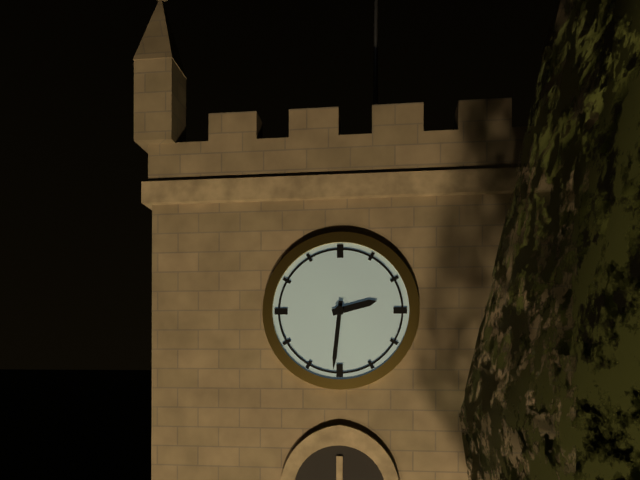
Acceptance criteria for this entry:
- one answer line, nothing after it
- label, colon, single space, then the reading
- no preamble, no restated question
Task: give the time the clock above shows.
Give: 2:31
